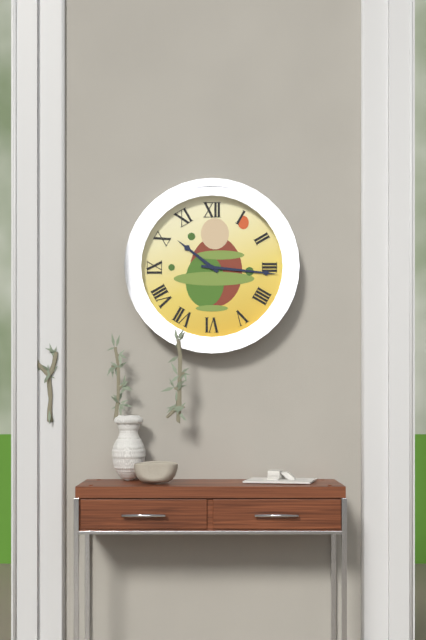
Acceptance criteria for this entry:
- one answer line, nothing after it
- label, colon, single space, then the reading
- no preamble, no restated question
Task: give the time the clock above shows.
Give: 10:16
